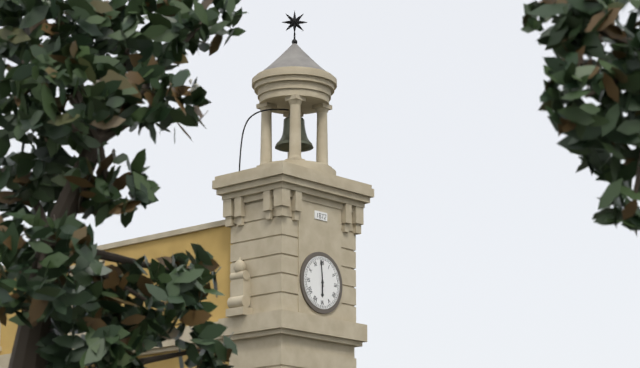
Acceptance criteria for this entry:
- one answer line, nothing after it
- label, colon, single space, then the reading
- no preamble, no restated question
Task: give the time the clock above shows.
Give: 5:59
